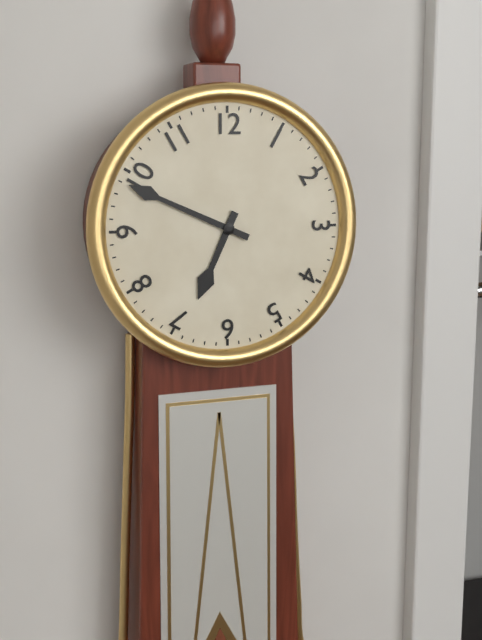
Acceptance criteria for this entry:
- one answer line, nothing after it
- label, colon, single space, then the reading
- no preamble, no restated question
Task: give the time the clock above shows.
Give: 6:49
